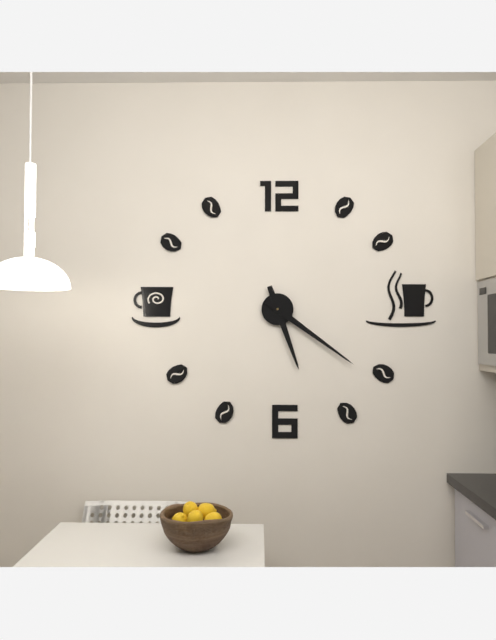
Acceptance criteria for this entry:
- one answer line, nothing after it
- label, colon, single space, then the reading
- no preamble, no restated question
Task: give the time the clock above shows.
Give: 5:21
